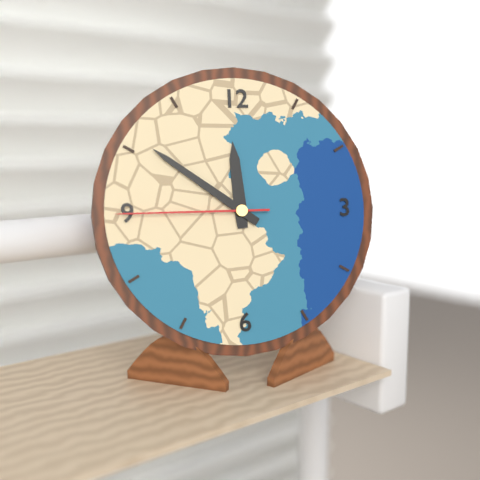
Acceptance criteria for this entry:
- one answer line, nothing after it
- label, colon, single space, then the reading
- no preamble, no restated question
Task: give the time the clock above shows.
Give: 11:51:45
